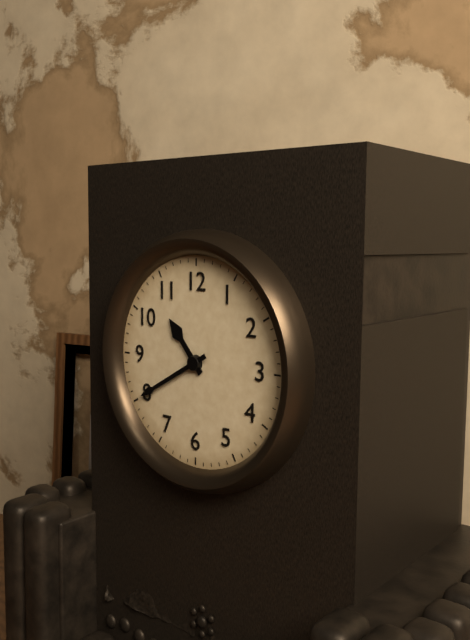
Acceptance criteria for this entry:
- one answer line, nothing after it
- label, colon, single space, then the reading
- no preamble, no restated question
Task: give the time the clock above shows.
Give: 10:40
